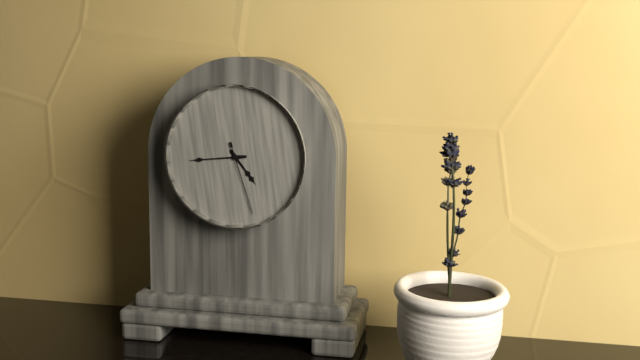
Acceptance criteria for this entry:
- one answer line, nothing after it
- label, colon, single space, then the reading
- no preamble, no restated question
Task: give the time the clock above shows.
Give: 4:44:27
